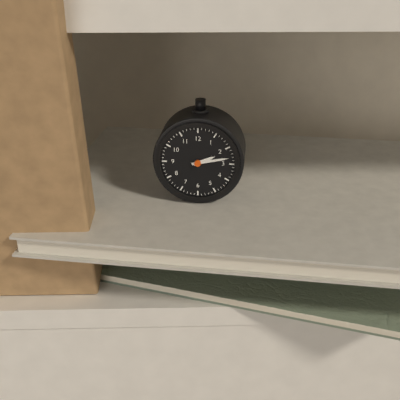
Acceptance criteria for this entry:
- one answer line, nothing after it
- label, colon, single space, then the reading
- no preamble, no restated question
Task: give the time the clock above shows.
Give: 2:13
